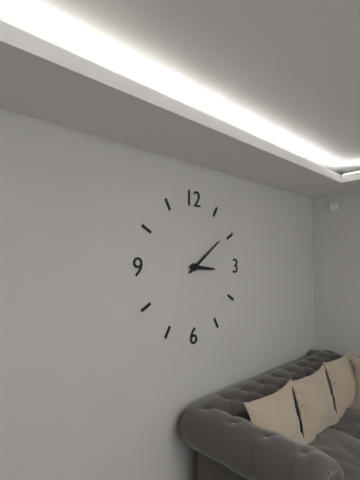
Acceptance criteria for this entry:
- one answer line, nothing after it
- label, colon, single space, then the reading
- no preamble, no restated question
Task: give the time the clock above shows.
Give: 3:09
